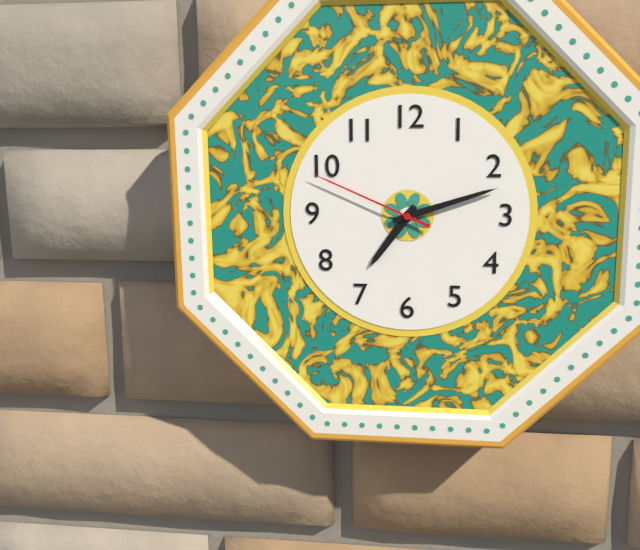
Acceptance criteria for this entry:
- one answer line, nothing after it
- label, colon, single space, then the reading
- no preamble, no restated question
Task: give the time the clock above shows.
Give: 7:12:49
